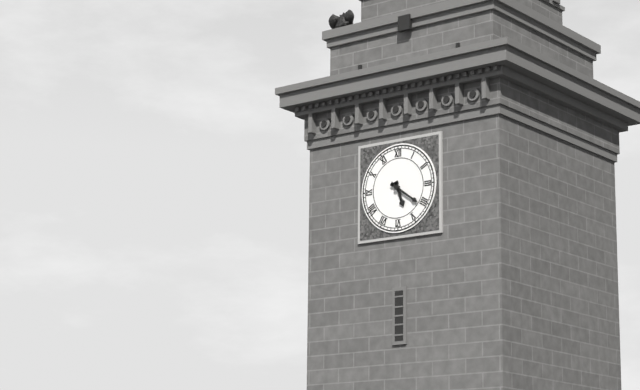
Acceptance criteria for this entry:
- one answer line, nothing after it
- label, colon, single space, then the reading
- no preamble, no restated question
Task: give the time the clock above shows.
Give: 5:21
